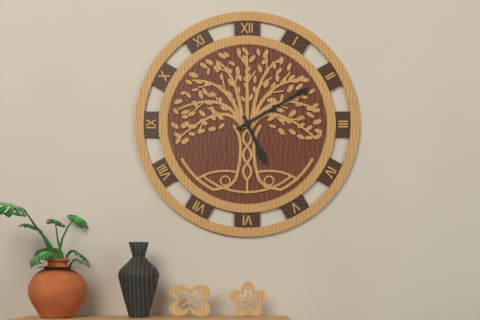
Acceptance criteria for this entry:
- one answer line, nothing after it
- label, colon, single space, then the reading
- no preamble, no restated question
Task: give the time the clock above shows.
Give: 5:10
